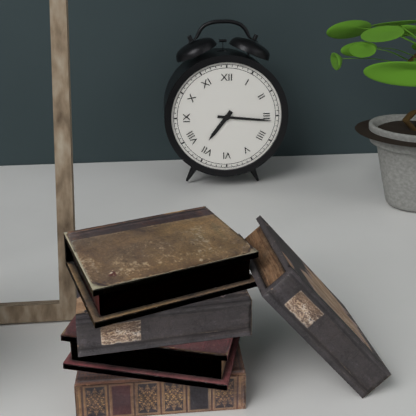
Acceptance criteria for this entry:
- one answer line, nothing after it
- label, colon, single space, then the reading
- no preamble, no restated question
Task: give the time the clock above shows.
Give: 7:16
